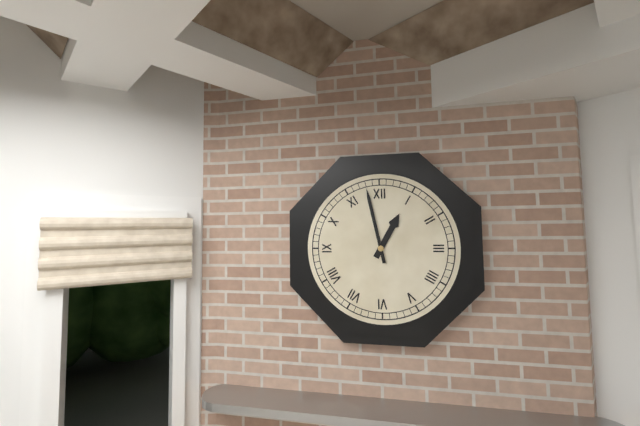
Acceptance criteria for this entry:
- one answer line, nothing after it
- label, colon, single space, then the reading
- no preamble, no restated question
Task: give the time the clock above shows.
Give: 12:58
